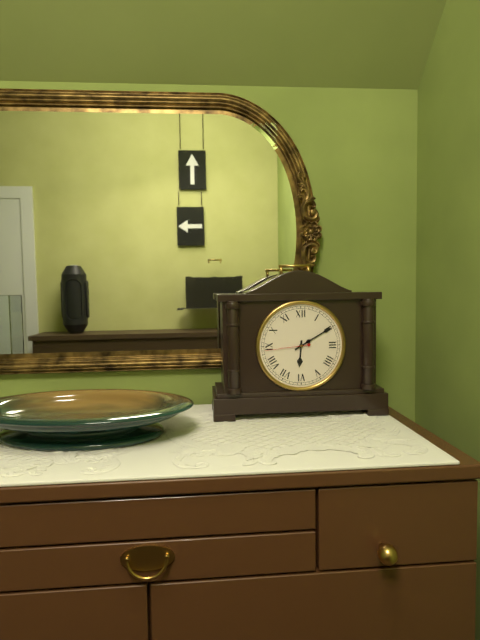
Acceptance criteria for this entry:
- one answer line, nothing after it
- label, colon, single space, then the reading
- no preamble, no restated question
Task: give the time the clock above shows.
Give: 6:10
